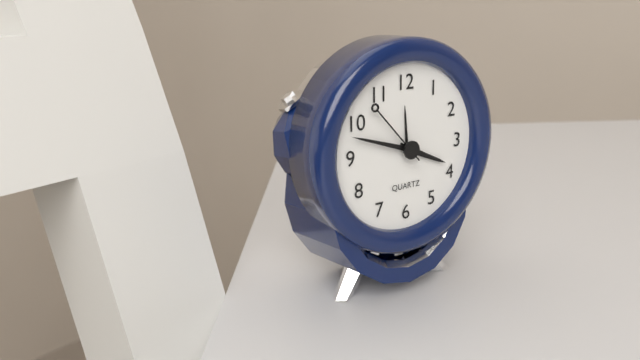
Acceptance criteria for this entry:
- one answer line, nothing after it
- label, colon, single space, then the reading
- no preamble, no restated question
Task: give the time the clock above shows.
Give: 3:48:53
